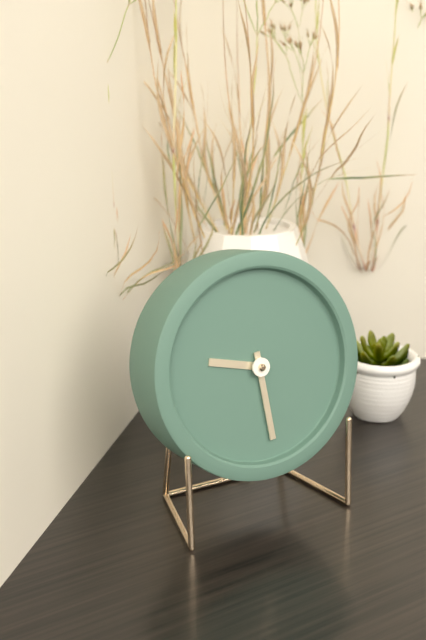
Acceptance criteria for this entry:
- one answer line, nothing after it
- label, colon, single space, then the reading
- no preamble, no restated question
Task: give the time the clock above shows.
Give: 9:29
